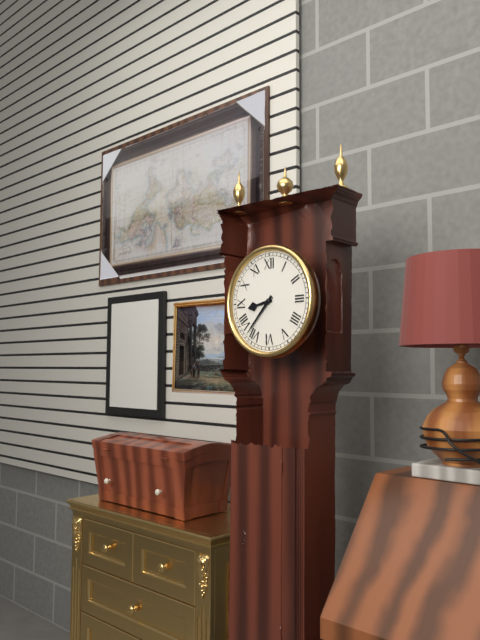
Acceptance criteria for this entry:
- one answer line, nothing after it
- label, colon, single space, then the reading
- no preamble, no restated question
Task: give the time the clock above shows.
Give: 8:37
